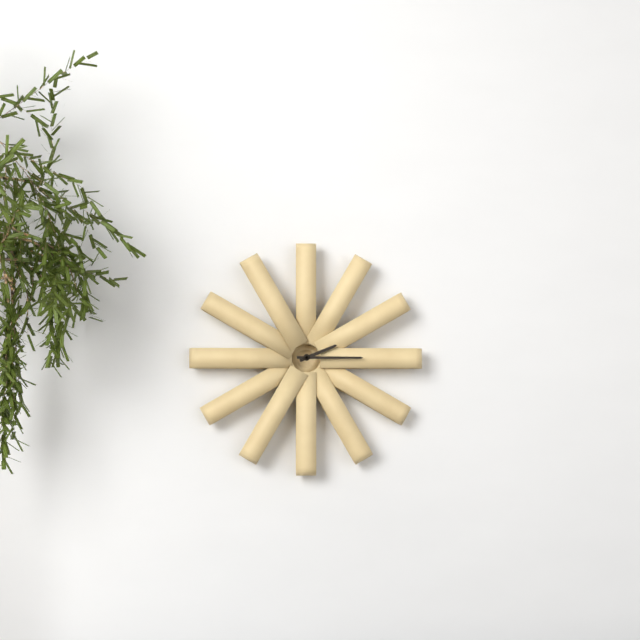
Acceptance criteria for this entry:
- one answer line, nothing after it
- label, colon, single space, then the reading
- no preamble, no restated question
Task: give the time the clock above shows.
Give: 2:15
